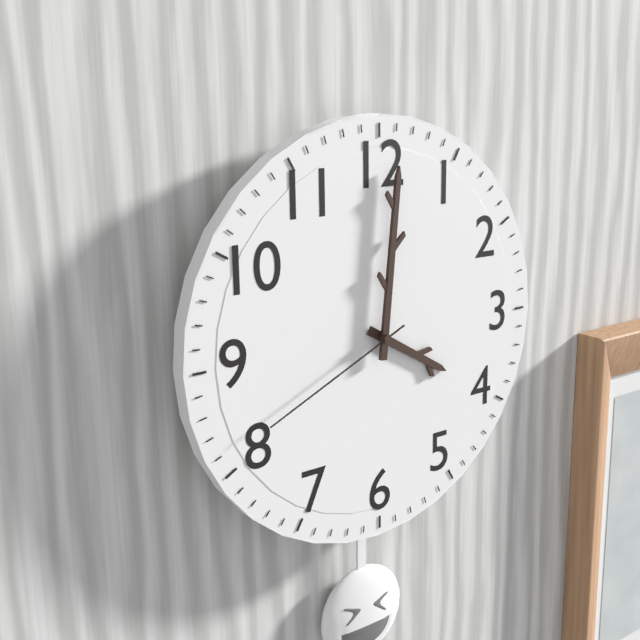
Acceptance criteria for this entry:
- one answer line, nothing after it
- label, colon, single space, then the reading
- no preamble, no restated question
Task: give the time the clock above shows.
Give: 4:01:41
